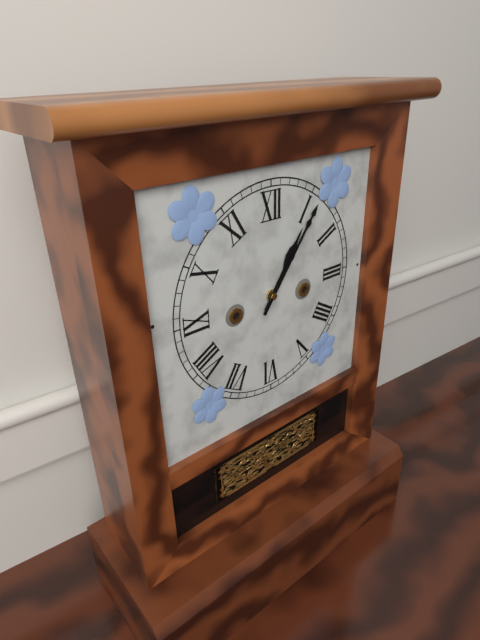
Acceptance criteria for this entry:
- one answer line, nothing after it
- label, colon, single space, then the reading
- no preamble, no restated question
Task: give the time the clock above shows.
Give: 1:06
